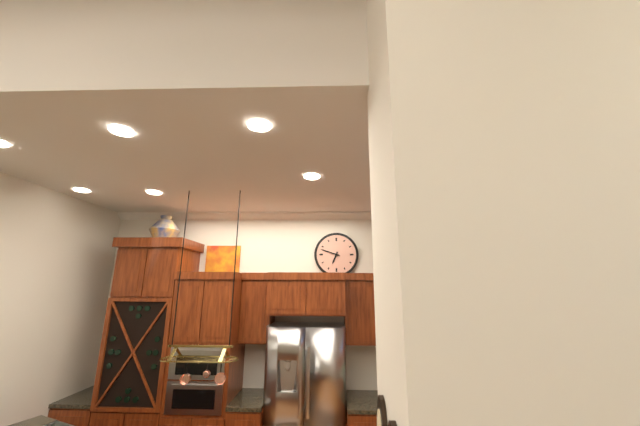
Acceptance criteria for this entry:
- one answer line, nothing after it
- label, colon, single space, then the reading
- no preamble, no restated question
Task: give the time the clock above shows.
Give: 6:48
